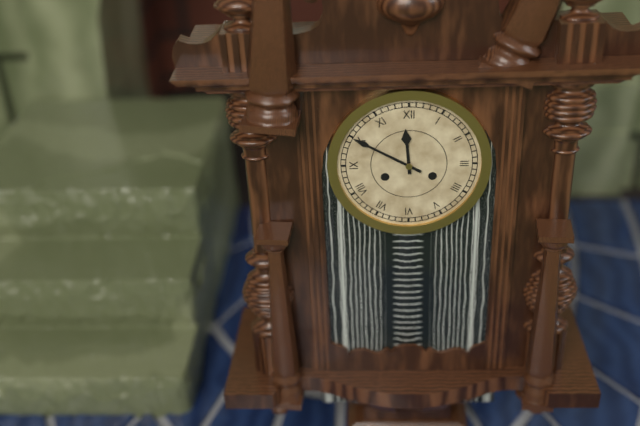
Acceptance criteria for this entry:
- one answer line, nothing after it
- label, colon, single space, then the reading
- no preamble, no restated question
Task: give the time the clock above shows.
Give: 11:50
